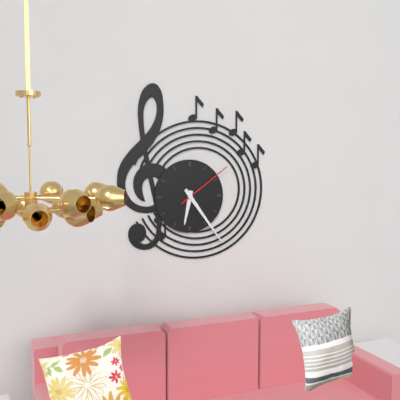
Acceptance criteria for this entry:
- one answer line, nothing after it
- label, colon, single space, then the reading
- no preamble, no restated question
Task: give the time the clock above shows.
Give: 6:24:09
